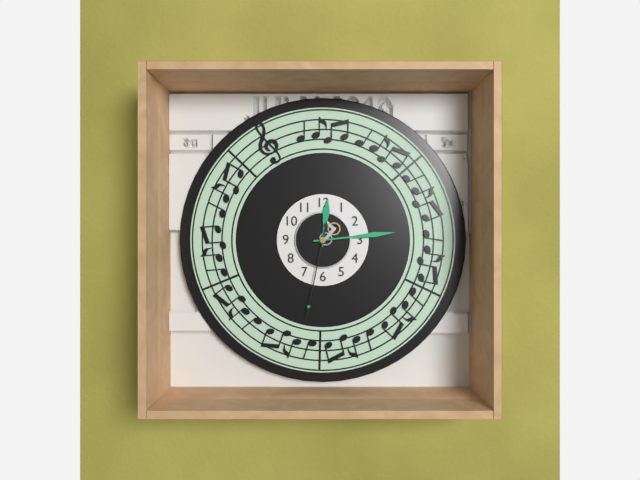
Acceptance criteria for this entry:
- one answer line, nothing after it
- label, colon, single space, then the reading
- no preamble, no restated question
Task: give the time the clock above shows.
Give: 12:14:32
